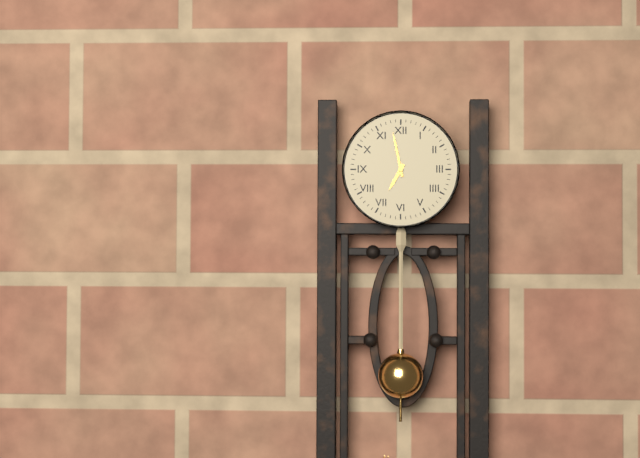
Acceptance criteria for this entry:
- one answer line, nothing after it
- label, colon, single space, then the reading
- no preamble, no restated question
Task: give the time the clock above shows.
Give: 6:58
